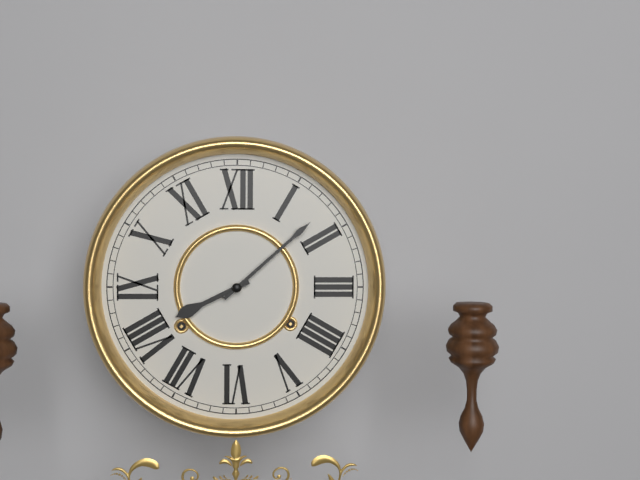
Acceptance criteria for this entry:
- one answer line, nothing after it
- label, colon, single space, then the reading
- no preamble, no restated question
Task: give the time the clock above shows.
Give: 8:08
